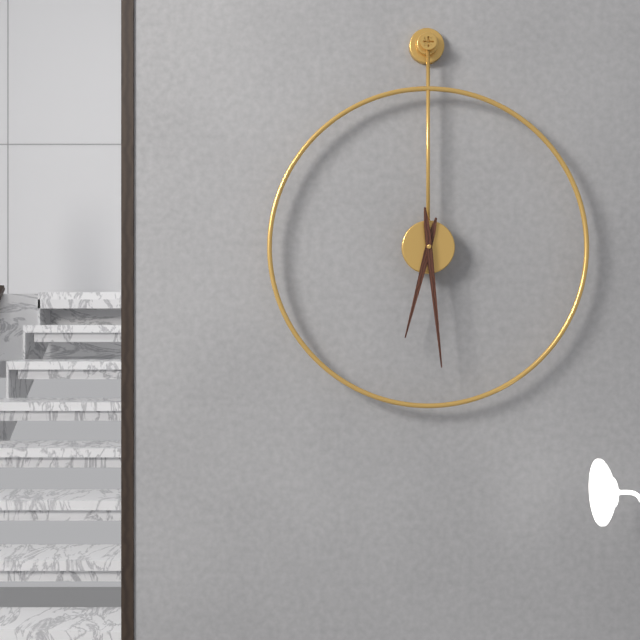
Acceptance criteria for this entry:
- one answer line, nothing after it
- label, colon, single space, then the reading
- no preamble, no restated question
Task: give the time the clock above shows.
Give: 6:29
